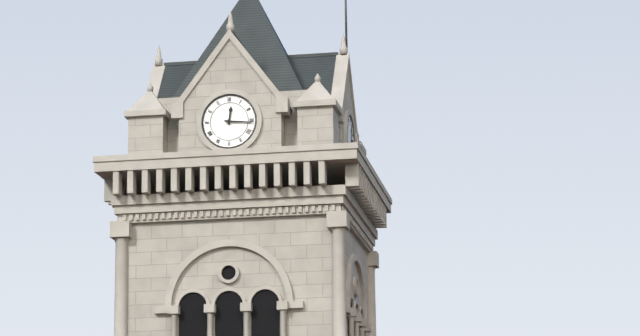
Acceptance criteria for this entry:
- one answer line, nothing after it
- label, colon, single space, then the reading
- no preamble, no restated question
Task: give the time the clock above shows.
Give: 12:16
